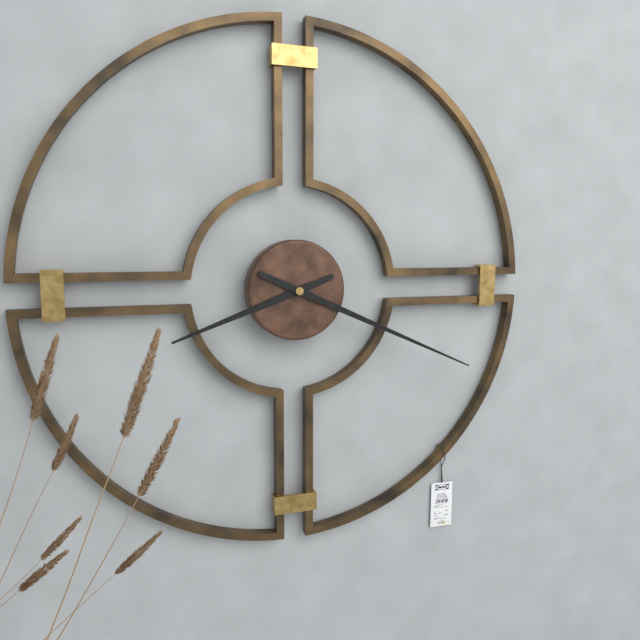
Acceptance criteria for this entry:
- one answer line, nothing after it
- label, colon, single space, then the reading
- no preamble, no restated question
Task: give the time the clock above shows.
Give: 8:19
